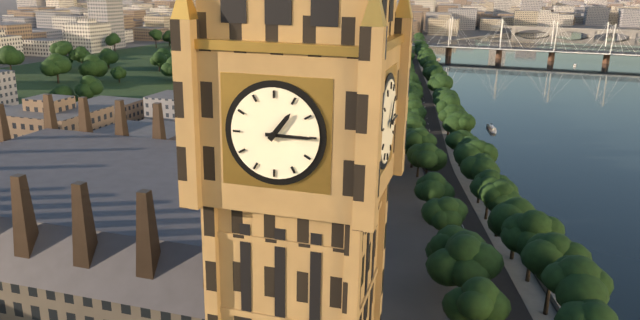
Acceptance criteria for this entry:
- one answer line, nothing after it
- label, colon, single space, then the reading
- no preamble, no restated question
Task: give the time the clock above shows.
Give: 1:15
